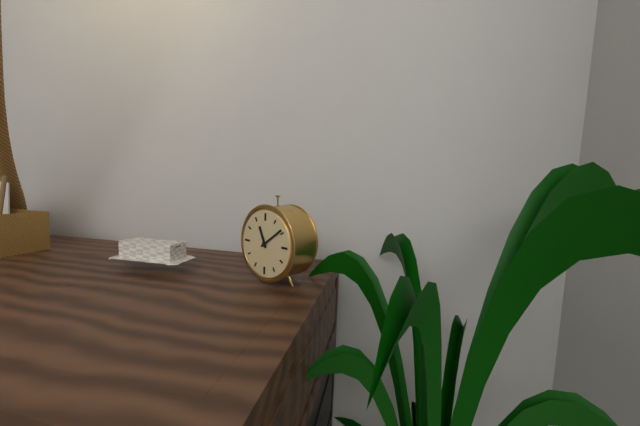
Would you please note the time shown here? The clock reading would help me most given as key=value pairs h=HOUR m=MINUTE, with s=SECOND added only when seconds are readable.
h=11 m=9
